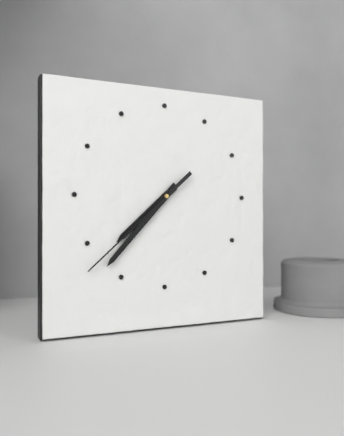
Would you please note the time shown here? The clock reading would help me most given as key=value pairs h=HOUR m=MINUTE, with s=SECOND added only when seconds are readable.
h=7 m=37 s=38
